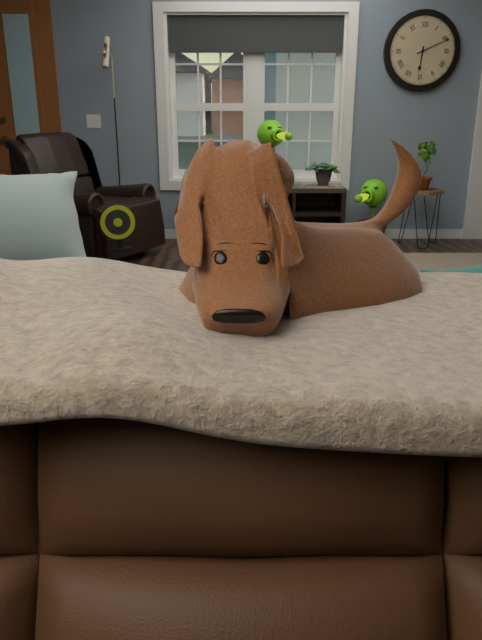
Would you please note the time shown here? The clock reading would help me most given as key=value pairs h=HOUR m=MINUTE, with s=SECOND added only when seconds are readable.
h=6 m=11
